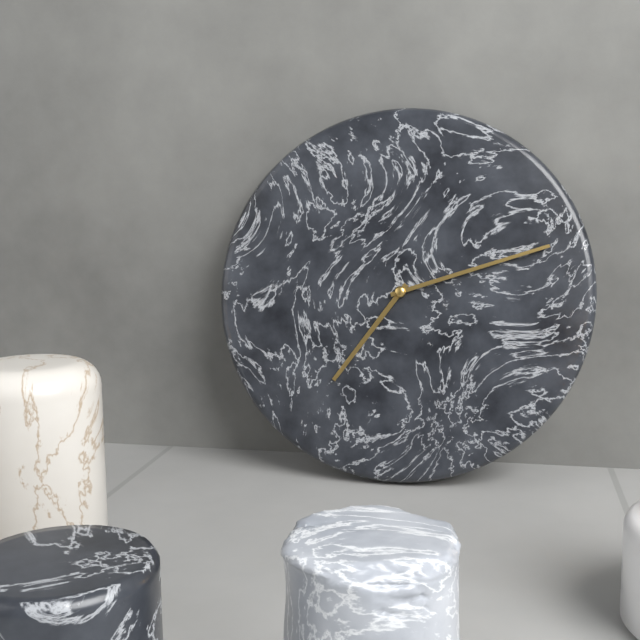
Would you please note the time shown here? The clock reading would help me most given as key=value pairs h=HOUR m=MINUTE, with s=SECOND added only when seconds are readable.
h=7 m=12
